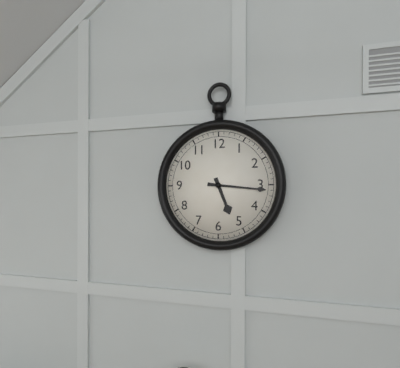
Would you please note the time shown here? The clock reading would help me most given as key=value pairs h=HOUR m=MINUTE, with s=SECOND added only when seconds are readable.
h=5 m=16
